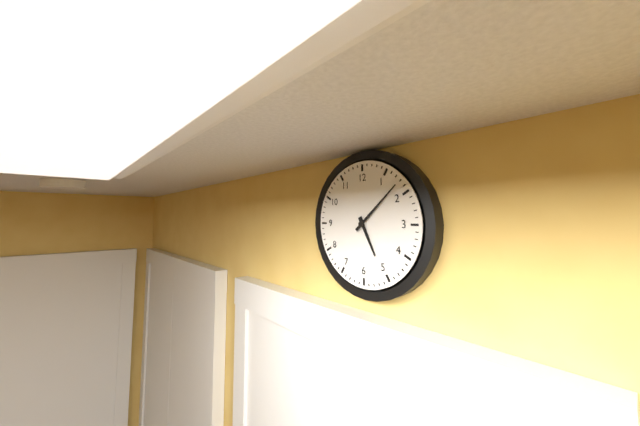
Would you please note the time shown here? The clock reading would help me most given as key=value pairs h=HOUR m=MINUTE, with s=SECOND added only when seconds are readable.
h=5 m=8
